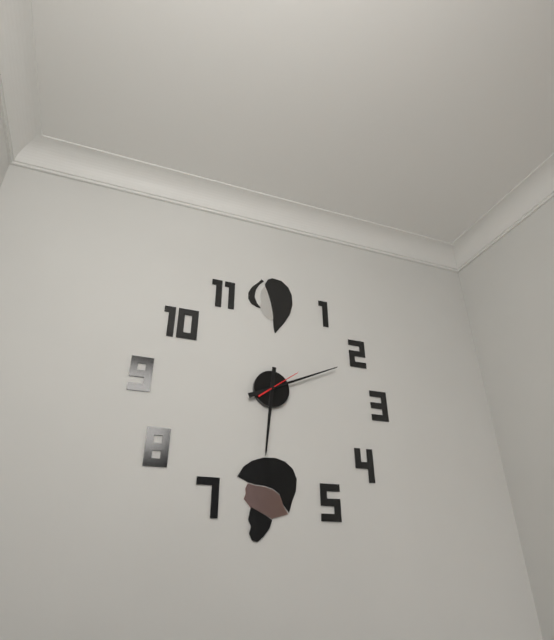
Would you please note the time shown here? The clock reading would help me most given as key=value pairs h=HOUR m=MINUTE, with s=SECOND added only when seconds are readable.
h=6 m=11
